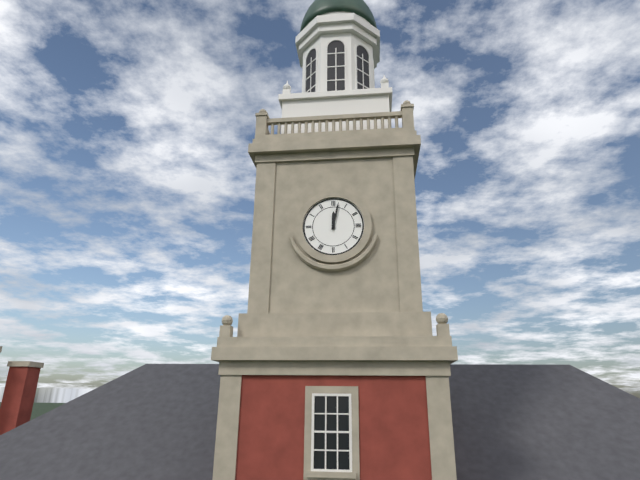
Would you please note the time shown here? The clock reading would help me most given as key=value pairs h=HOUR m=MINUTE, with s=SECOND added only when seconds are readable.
h=12 m=2
